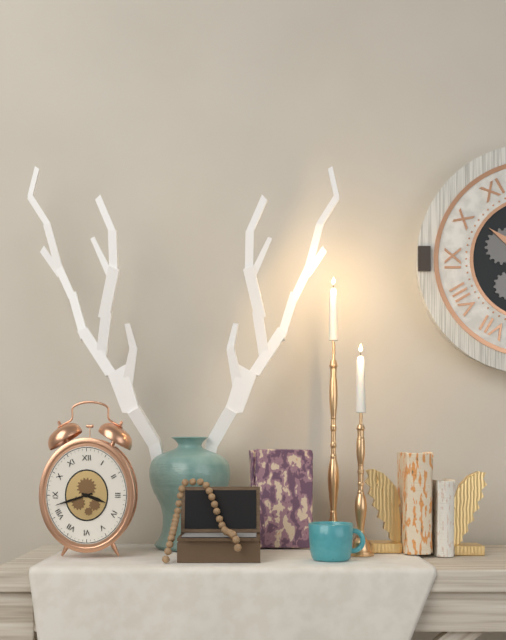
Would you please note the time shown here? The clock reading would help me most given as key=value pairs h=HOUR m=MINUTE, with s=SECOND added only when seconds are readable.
h=3 m=42
